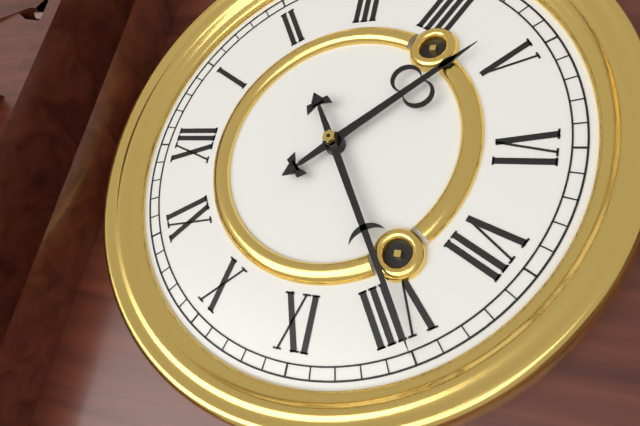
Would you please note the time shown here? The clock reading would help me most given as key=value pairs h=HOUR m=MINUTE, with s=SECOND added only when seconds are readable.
h=4 m=40
